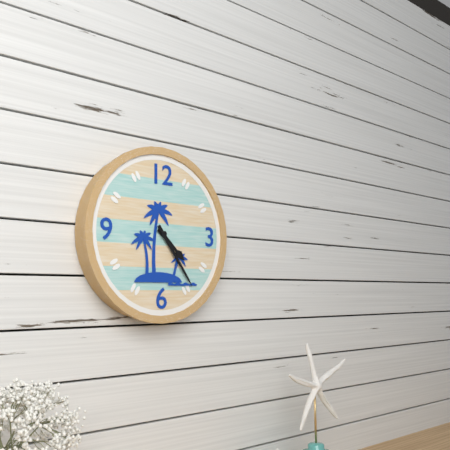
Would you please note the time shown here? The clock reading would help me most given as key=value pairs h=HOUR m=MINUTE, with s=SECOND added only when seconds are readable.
h=4 m=24
